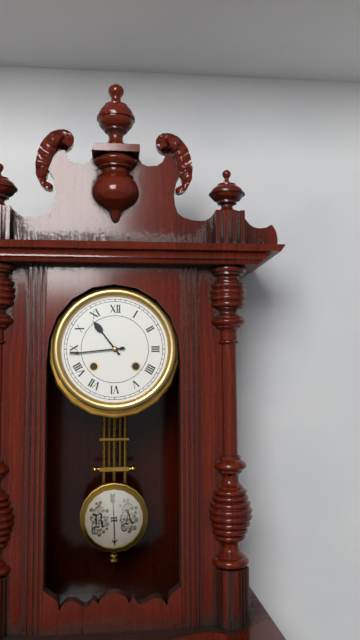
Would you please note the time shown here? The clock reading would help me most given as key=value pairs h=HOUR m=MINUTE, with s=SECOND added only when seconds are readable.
h=10 m=44
